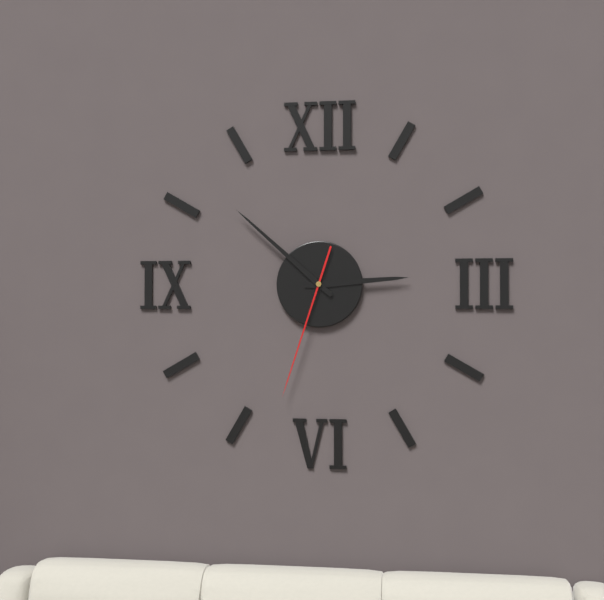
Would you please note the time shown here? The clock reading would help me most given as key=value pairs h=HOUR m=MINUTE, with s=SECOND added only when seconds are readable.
h=2 m=52 s=33
